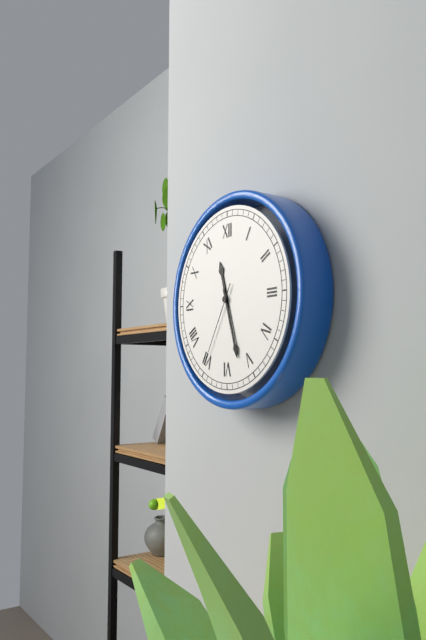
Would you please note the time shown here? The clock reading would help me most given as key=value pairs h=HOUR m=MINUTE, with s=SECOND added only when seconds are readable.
h=11 m=27 s=35
